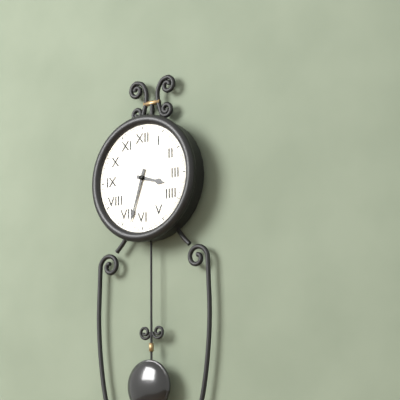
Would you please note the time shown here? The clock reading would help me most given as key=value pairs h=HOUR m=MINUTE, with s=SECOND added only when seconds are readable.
h=3 m=33
